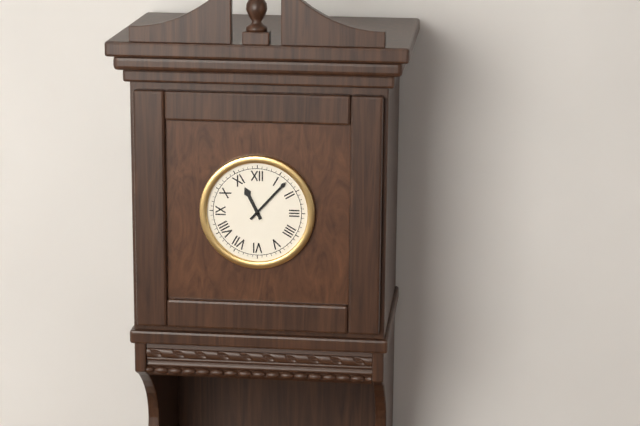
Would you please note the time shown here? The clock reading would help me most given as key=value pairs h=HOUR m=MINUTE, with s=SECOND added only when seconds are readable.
h=11 m=7
